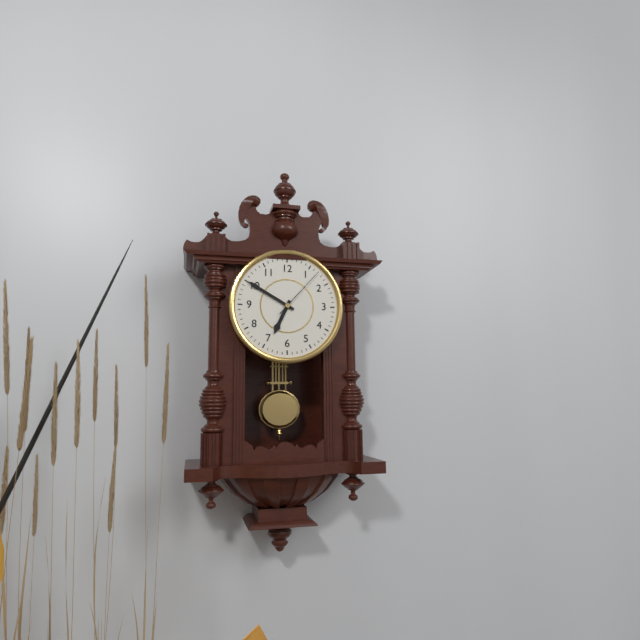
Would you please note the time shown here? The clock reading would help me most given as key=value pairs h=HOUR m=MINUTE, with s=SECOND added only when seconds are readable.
h=6 m=50 s=7
